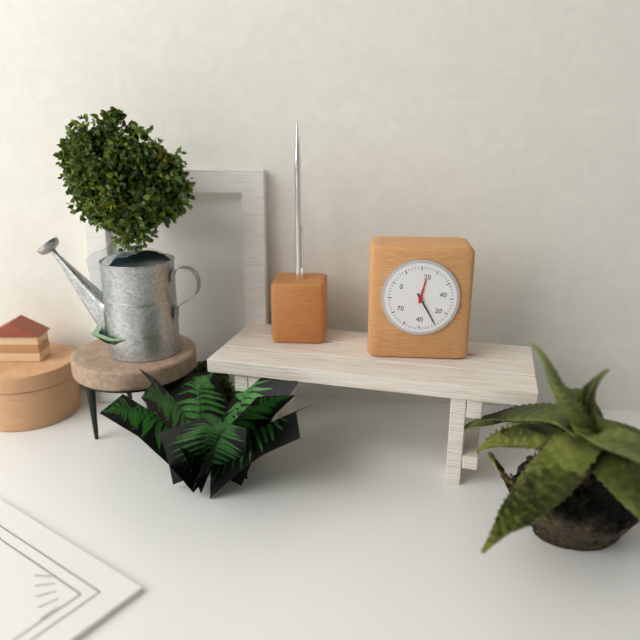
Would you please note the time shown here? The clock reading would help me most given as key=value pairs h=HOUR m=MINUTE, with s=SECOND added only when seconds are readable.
h=12 m=25
